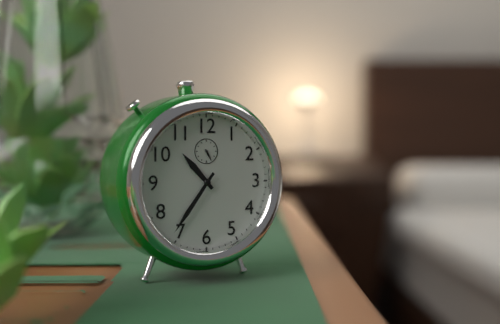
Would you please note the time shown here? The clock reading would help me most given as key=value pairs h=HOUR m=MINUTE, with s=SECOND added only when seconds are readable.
h=10 m=36
